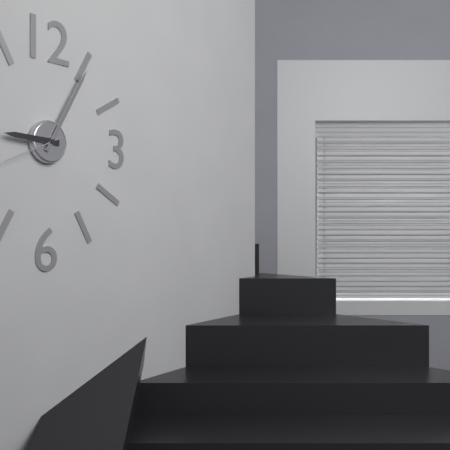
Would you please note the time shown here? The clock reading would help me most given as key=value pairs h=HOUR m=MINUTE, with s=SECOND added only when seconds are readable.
h=9 m=5 s=41
